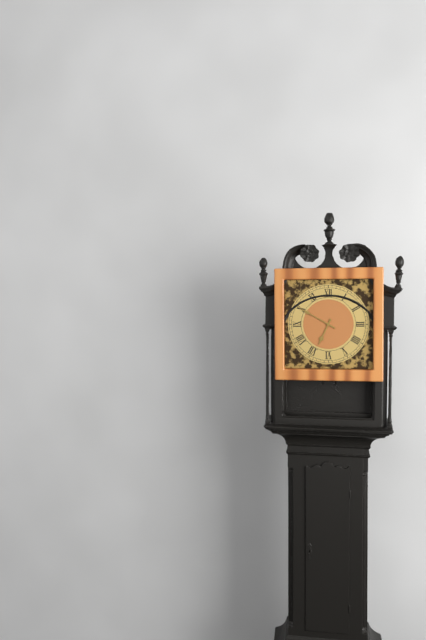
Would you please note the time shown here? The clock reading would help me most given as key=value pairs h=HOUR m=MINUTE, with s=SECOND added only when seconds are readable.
h=6 m=50
